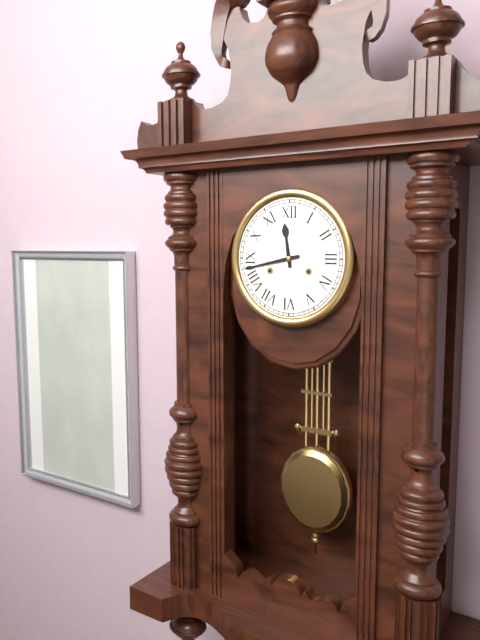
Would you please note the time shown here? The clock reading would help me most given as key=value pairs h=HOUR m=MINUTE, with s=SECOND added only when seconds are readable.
h=11 m=43
